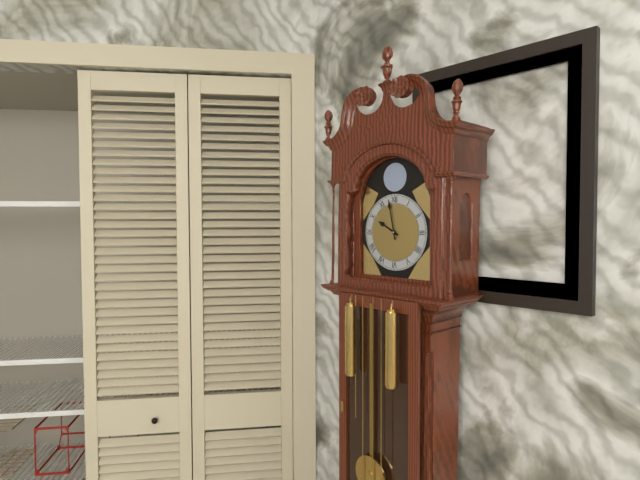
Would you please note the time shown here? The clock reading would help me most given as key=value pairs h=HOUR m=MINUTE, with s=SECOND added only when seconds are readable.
h=9 m=58
